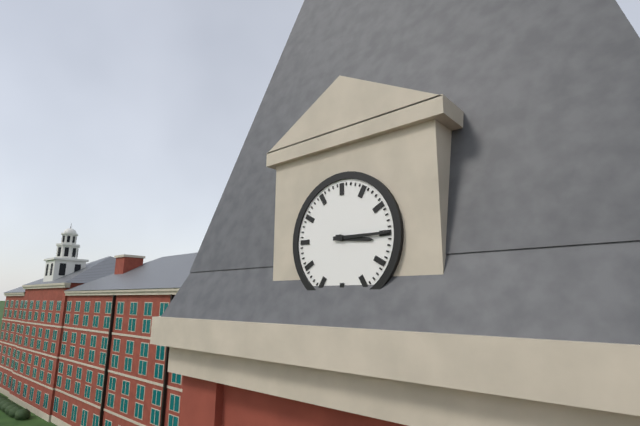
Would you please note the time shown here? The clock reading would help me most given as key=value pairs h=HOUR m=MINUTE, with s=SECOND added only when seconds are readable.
h=3 m=15
